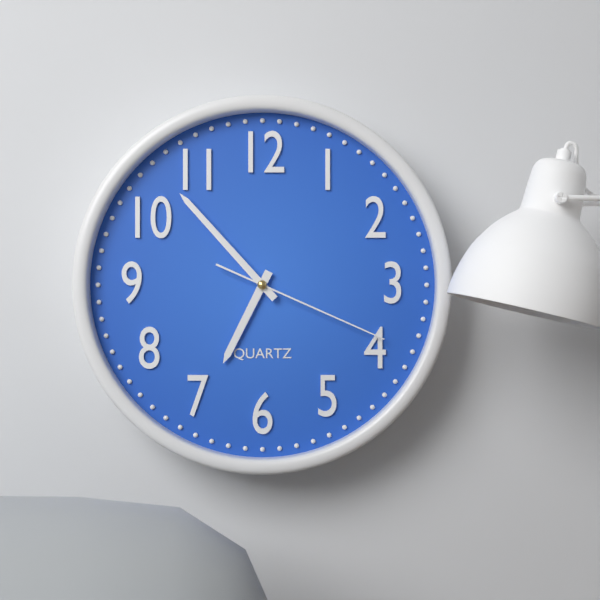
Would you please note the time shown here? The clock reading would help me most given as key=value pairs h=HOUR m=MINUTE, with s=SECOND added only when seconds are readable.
h=6 m=53 s=19
